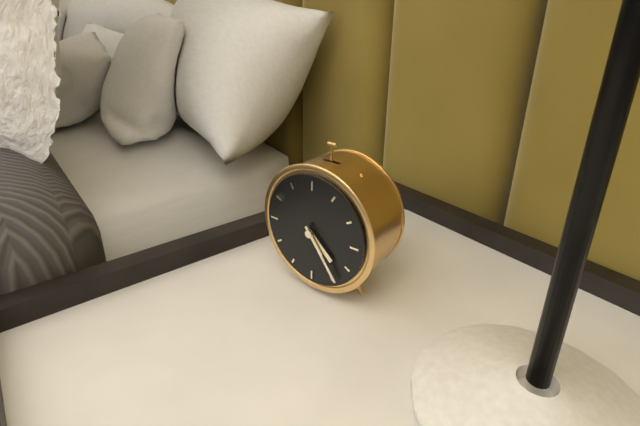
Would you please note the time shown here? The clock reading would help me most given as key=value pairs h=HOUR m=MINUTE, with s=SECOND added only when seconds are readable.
h=4 m=24
